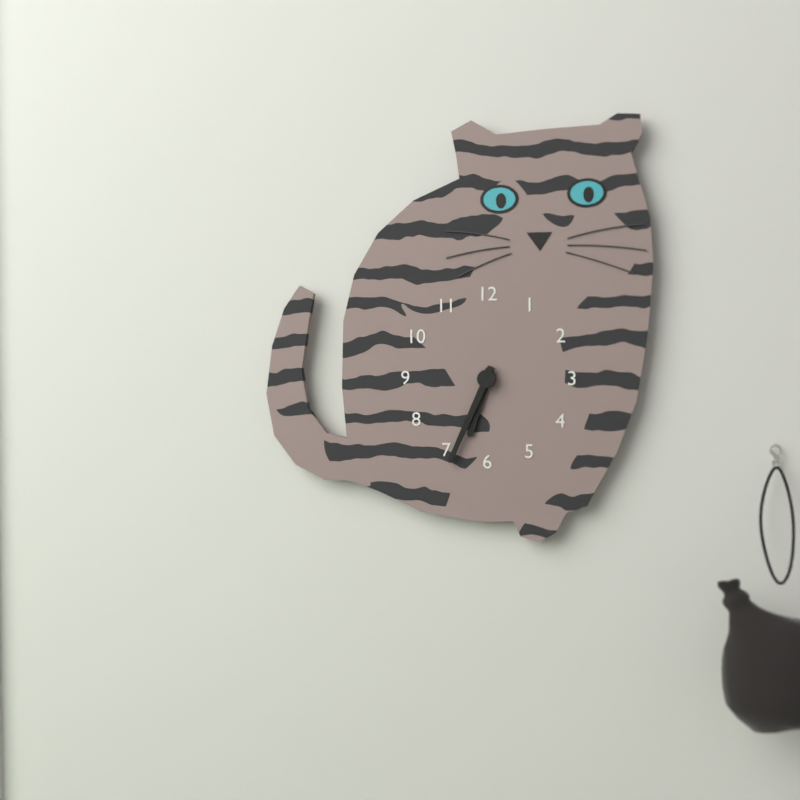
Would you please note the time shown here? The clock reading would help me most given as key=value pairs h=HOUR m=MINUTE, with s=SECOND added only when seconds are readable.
h=6 m=34
